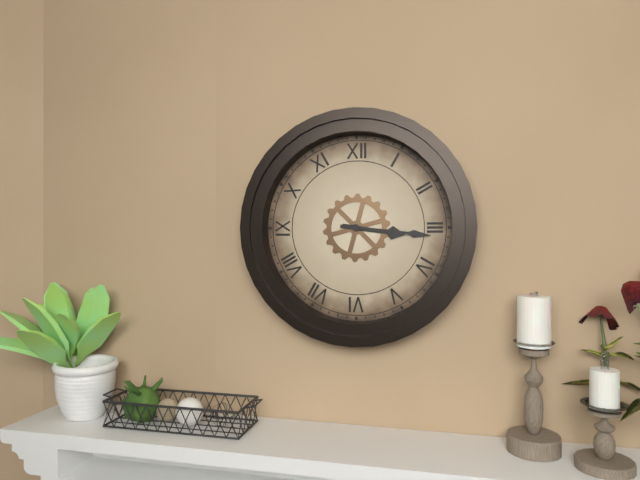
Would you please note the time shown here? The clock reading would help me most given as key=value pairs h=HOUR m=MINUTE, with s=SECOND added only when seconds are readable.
h=3 m=16
